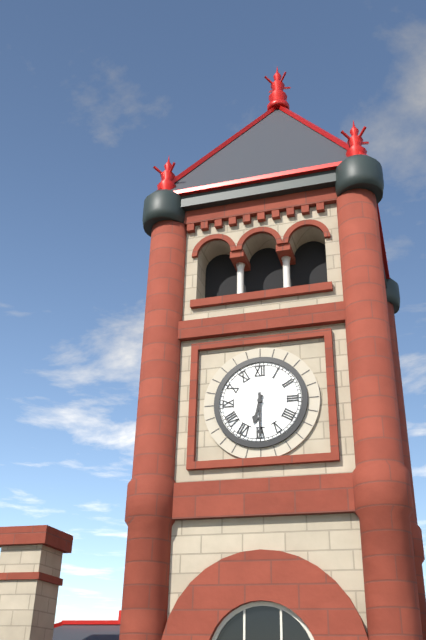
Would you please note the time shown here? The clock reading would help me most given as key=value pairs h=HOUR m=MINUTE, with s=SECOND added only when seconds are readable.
h=6 m=30
